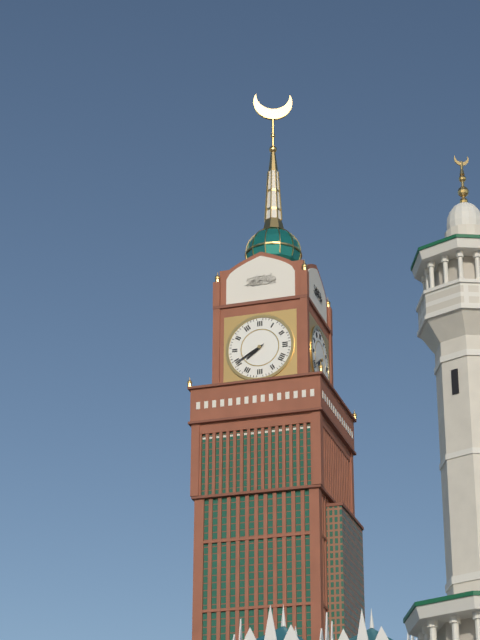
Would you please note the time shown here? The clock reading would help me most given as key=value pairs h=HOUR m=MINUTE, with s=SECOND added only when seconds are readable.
h=7 m=40
